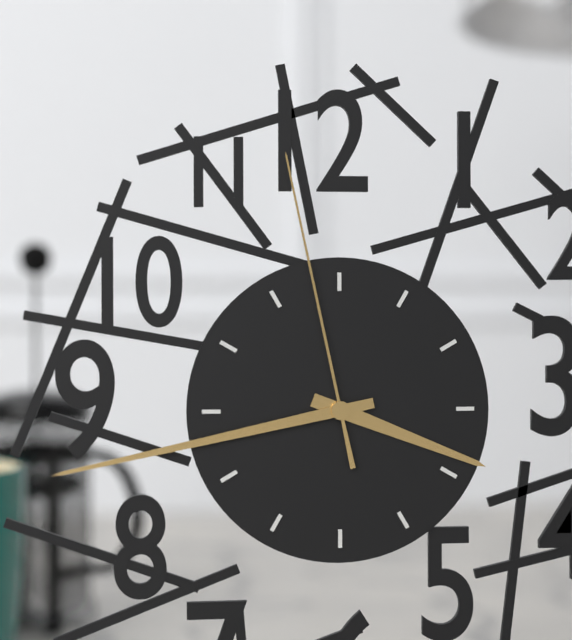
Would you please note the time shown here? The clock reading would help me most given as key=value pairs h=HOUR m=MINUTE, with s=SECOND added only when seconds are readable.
h=3 m=43 s=58
